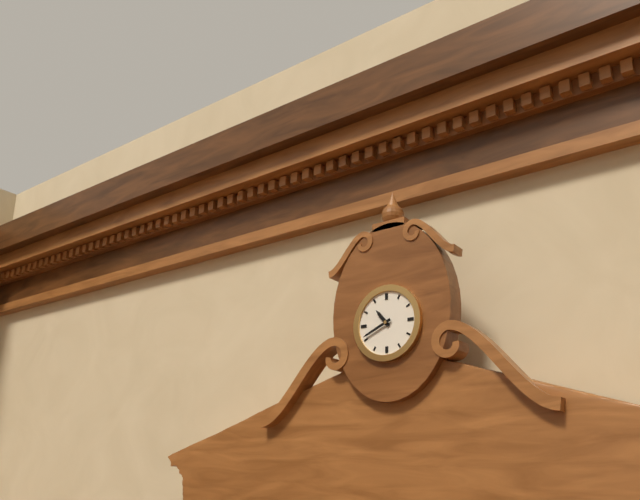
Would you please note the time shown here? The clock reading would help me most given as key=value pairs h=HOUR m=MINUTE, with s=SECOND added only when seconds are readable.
h=10 m=41
